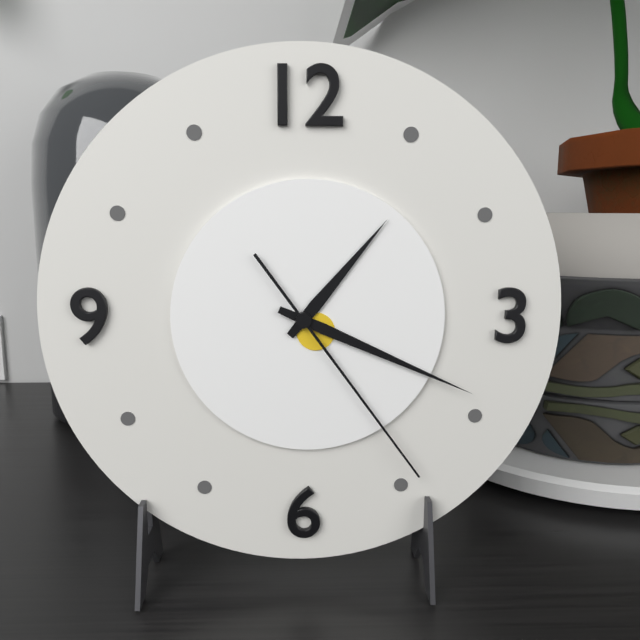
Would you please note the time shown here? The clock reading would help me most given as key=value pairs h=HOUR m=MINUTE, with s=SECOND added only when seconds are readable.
h=1 m=19 s=24
